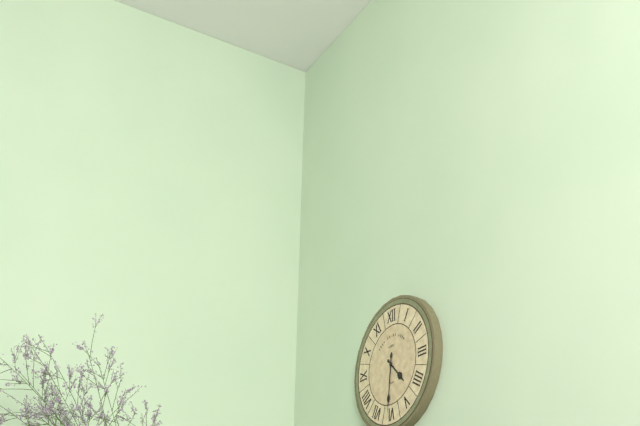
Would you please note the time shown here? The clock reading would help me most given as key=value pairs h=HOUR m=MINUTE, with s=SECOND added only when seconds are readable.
h=4 m=31
